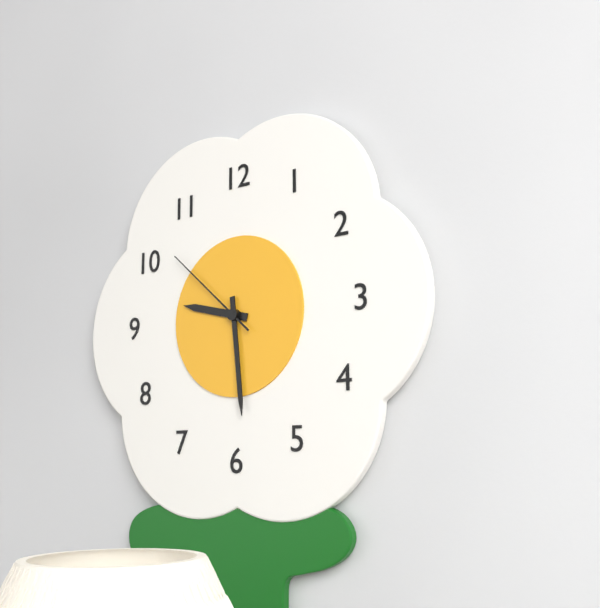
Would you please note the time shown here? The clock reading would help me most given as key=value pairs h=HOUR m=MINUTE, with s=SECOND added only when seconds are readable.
h=9 m=29 s=52
